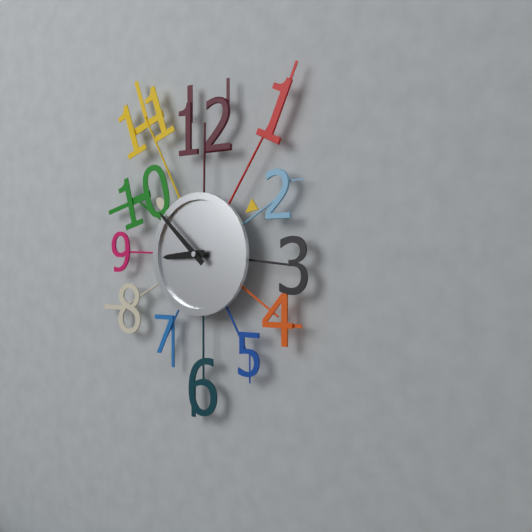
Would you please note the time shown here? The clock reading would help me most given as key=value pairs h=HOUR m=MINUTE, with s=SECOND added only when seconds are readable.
h=8 m=52
